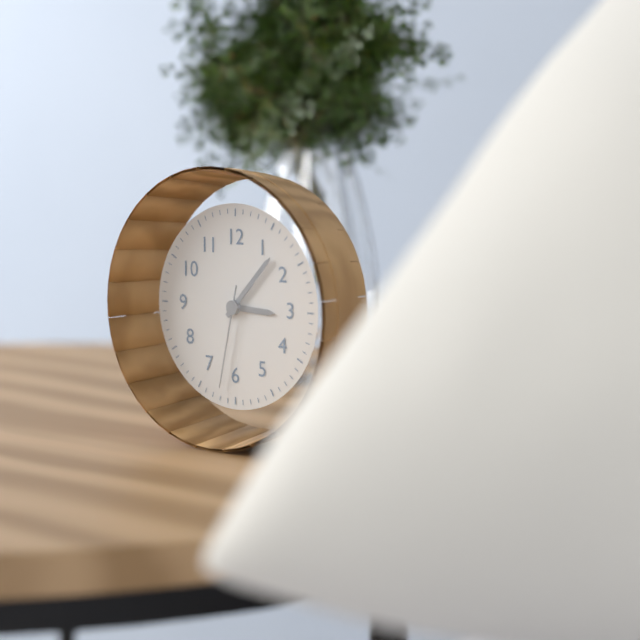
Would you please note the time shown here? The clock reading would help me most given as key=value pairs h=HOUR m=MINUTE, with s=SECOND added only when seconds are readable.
h=3 m=7 s=32
